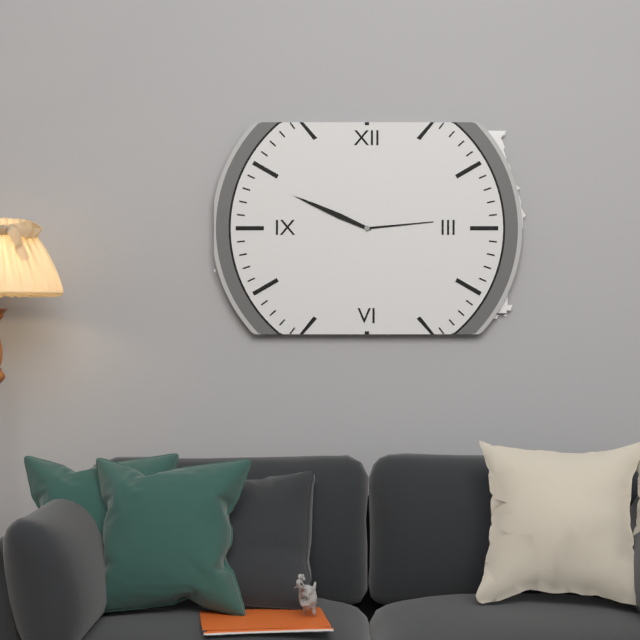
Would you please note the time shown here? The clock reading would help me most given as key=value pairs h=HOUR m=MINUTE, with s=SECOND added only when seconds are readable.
h=2 m=49
